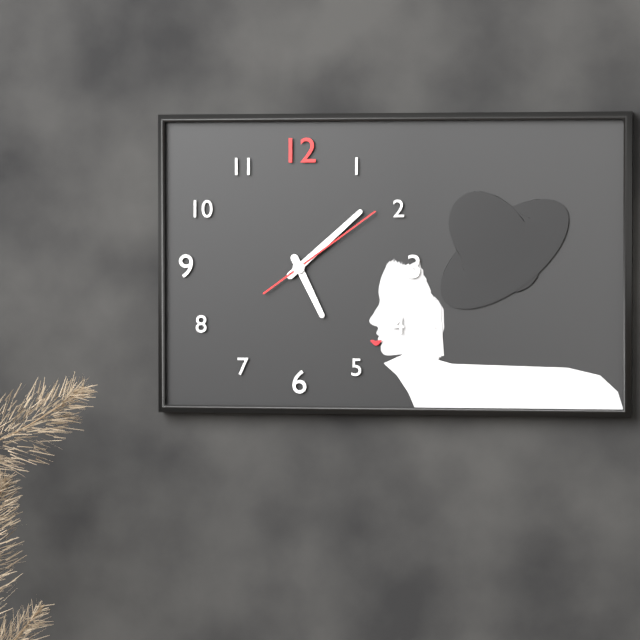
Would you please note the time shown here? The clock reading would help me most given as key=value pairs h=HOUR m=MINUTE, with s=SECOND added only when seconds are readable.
h=5 m=8 s=9
